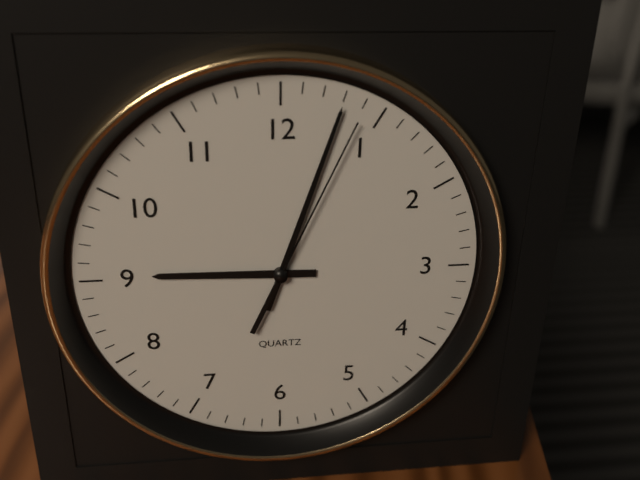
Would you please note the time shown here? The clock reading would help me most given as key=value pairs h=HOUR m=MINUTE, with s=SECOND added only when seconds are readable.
h=9 m=3 s=4
